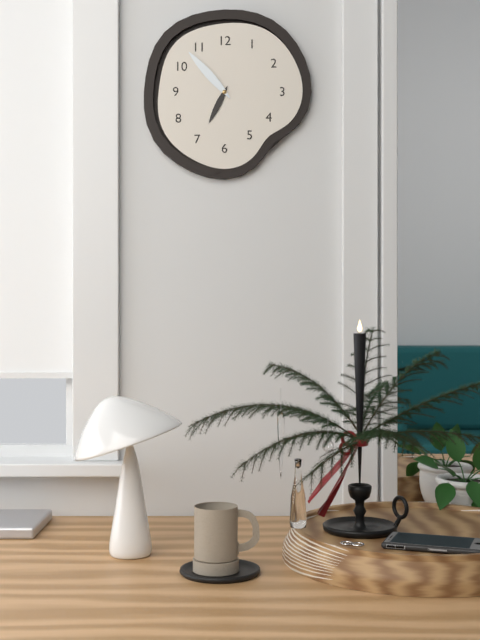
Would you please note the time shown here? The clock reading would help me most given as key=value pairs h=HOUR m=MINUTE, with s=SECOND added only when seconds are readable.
h=6 m=53
